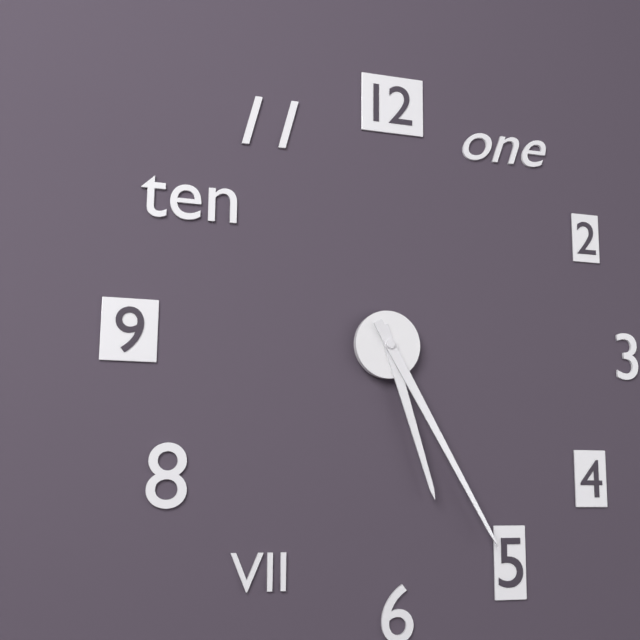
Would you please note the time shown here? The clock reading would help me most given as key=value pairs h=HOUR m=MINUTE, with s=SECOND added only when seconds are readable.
h=5 m=25
